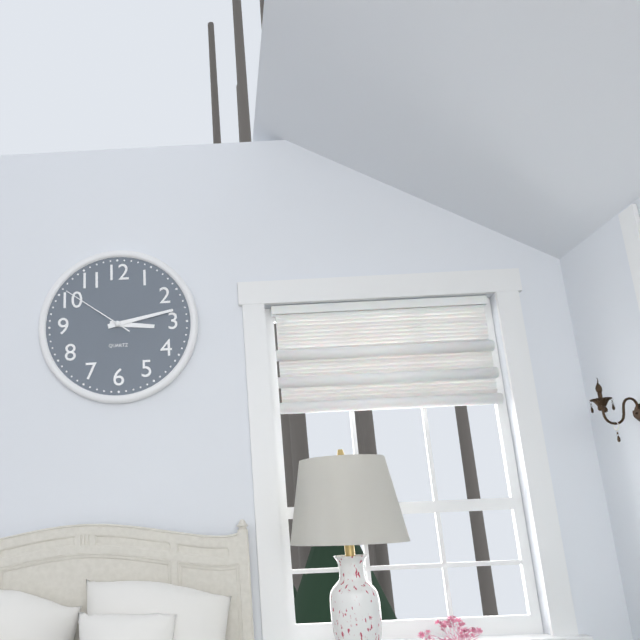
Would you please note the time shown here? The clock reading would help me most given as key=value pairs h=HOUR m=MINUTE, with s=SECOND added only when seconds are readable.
h=3 m=13 s=51
